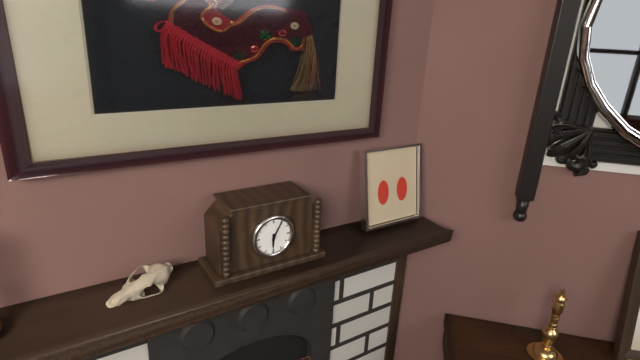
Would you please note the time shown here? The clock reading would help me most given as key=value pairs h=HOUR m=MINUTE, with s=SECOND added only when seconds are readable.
h=6 m=5
